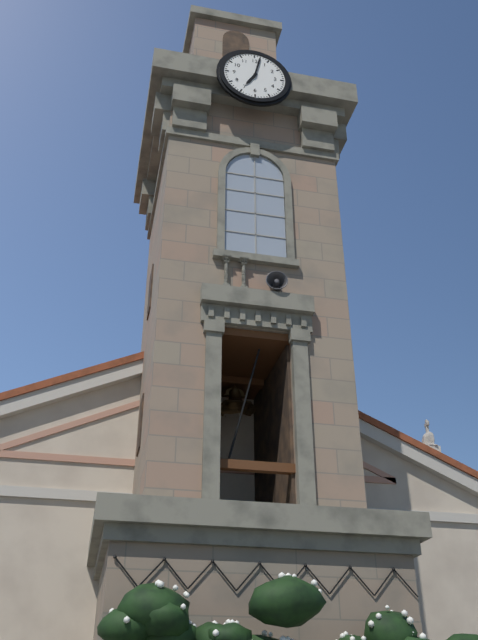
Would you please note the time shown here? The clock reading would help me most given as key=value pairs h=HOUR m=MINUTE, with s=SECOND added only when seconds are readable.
h=7 m=2
